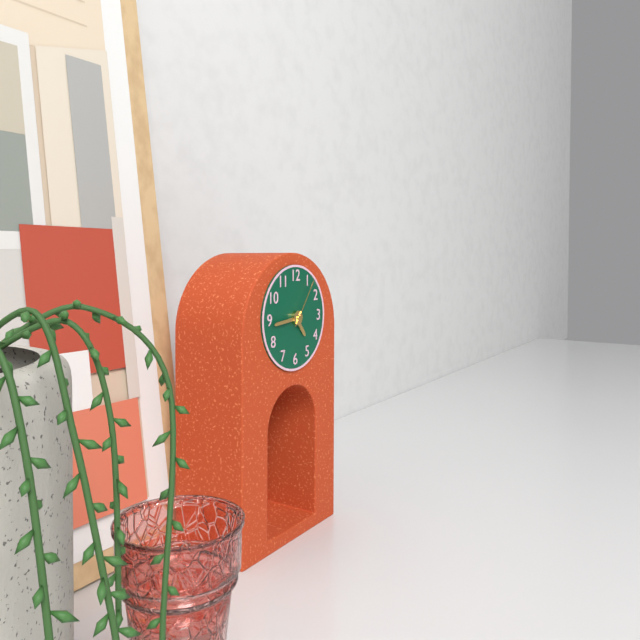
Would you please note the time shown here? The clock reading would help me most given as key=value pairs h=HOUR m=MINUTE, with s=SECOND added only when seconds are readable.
h=4 m=44 s=6
